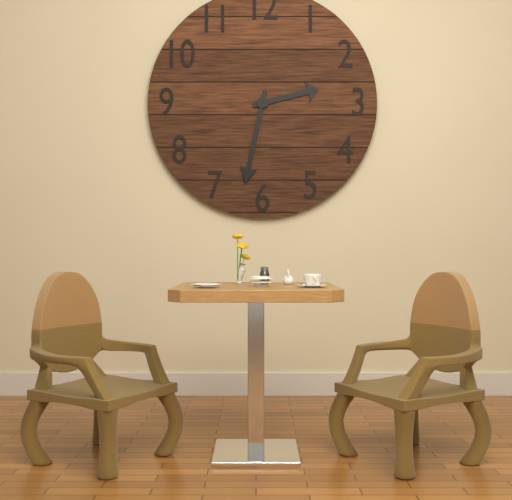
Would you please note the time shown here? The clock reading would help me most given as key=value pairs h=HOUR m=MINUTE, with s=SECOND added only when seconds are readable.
h=2 m=32
